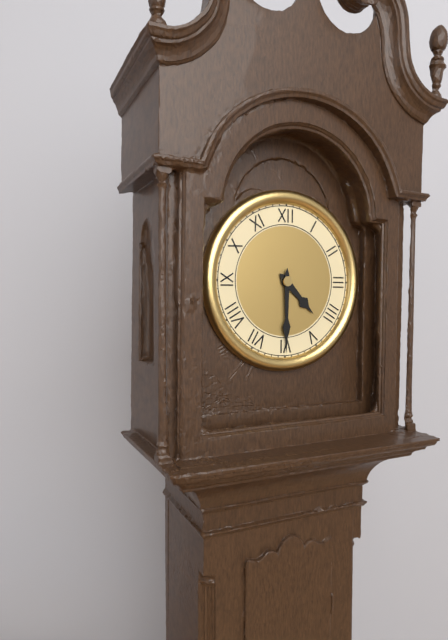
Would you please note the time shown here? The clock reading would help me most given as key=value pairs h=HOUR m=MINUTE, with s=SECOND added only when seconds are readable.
h=4 m=30
